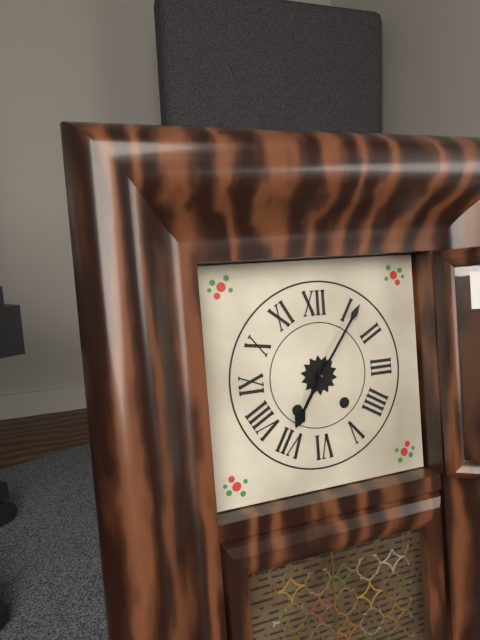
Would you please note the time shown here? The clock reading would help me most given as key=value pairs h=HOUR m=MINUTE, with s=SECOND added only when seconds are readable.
h=7 m=6
